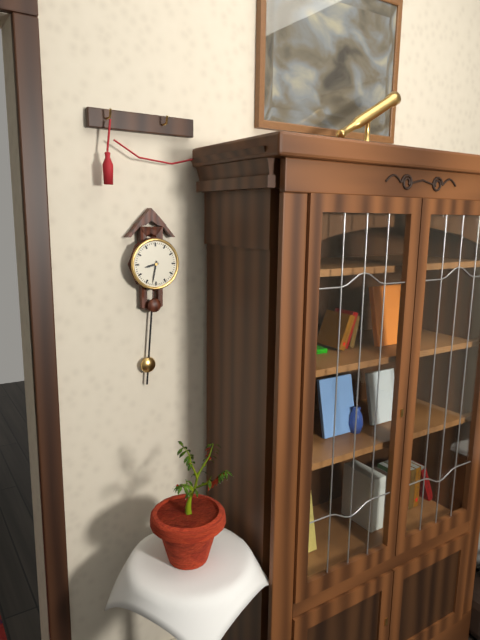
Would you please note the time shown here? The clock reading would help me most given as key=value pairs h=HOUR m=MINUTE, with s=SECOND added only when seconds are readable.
h=8 m=32
